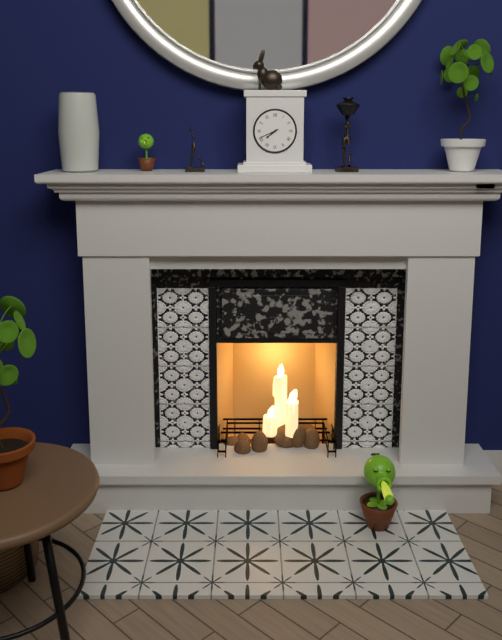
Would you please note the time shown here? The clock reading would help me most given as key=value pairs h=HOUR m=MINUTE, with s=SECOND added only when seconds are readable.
h=7 m=41
